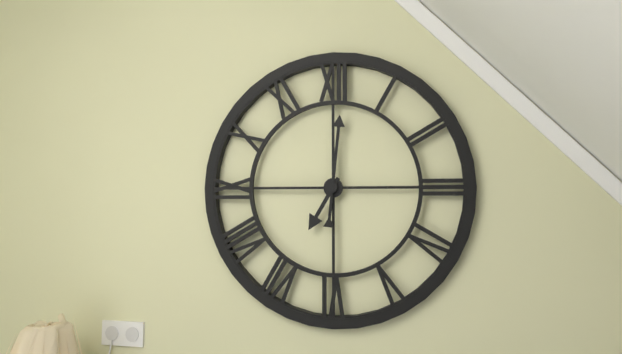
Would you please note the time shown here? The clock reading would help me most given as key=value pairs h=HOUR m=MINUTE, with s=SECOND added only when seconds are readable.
h=7 m=1
